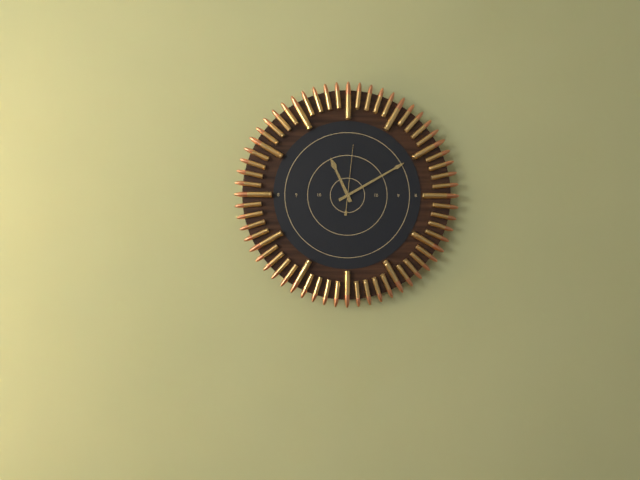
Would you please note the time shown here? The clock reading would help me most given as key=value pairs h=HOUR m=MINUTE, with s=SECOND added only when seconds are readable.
h=11 m=10 s=1
